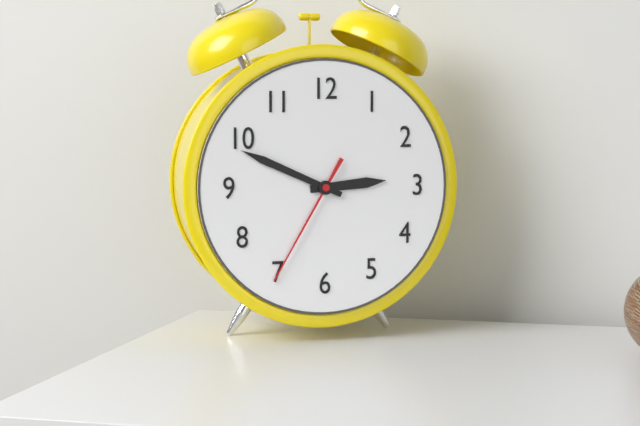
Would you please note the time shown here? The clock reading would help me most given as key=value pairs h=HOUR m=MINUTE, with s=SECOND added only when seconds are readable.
h=2 m=49 s=35
